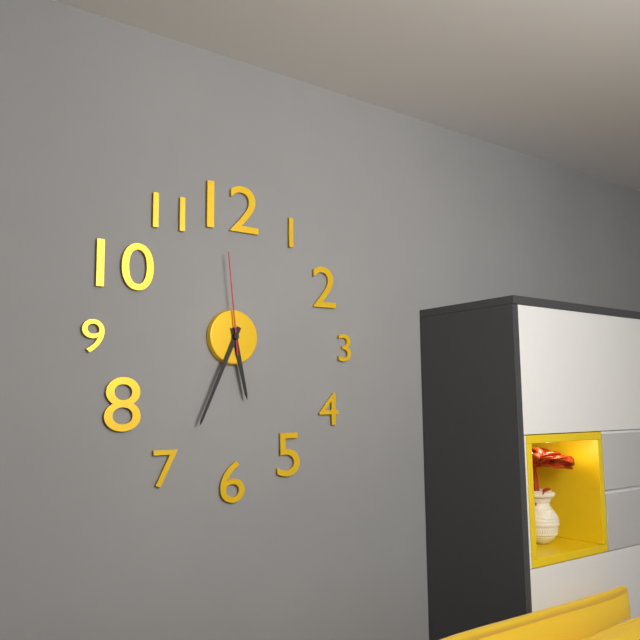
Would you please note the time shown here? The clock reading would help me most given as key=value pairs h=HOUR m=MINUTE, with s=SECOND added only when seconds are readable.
h=5 m=34 s=59
